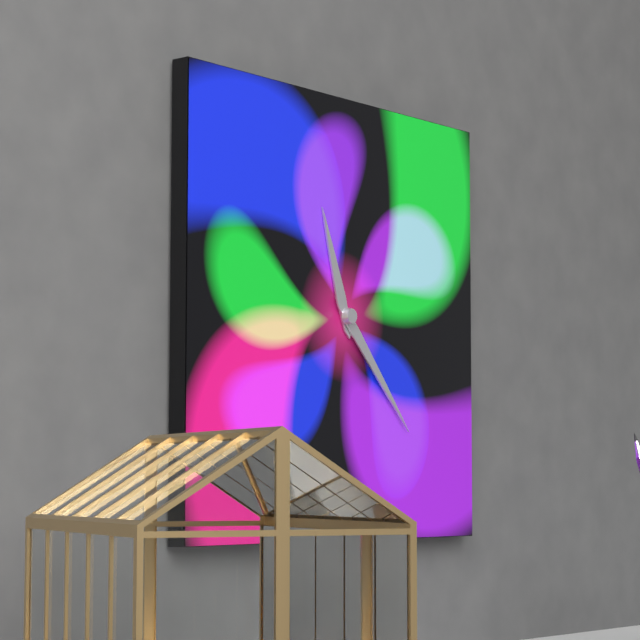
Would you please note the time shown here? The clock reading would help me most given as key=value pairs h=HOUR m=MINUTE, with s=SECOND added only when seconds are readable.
h=11 m=23
